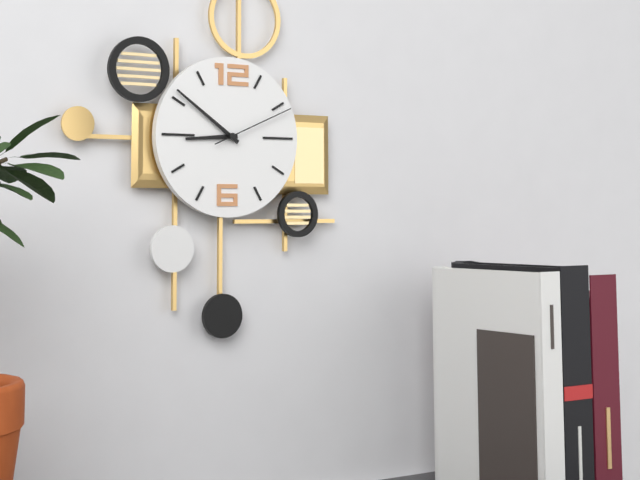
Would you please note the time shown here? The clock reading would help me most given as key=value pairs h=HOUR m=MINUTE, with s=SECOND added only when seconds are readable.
h=8 m=51 s=11
